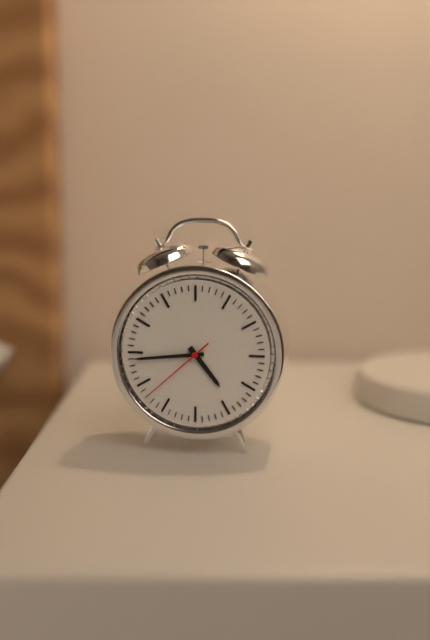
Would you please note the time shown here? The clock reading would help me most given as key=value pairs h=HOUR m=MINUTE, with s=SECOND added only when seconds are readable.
h=4 m=44 s=38
